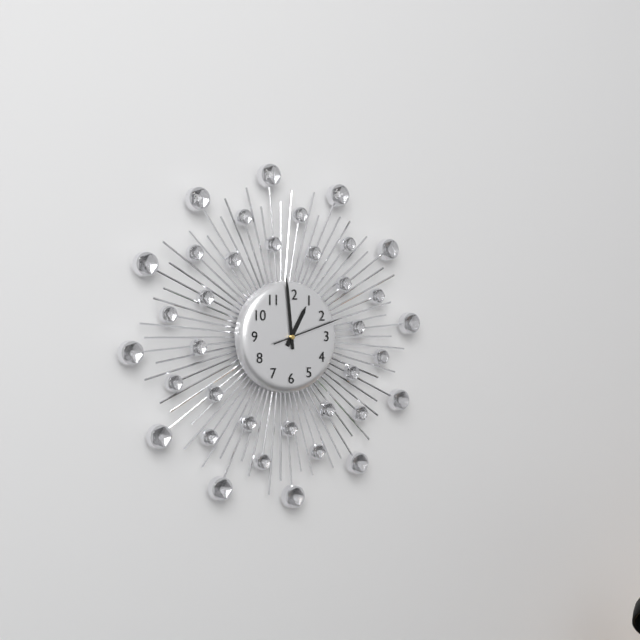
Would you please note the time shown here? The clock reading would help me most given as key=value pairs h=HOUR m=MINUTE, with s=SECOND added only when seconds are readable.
h=12 m=59 s=12
